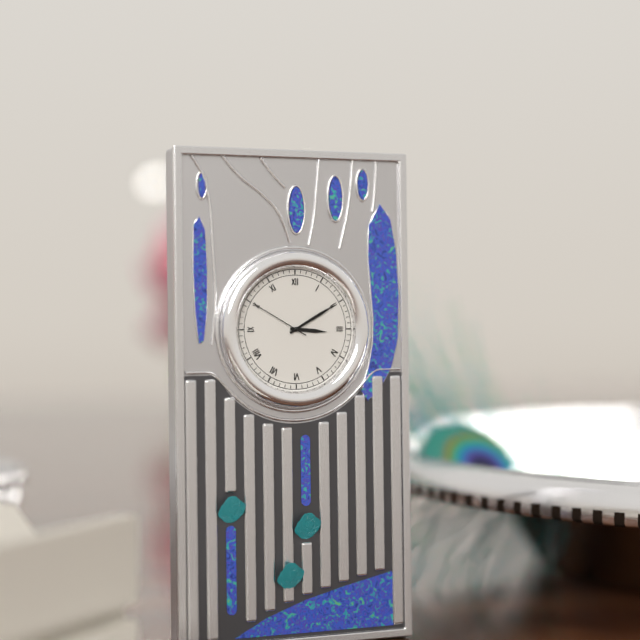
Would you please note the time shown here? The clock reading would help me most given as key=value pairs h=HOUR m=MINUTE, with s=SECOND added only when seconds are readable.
h=3 m=10 s=50
